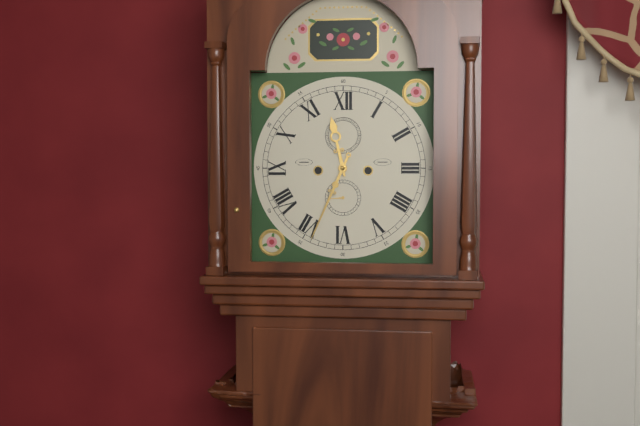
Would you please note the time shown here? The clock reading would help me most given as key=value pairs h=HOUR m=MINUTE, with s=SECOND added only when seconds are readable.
h=11 m=34
